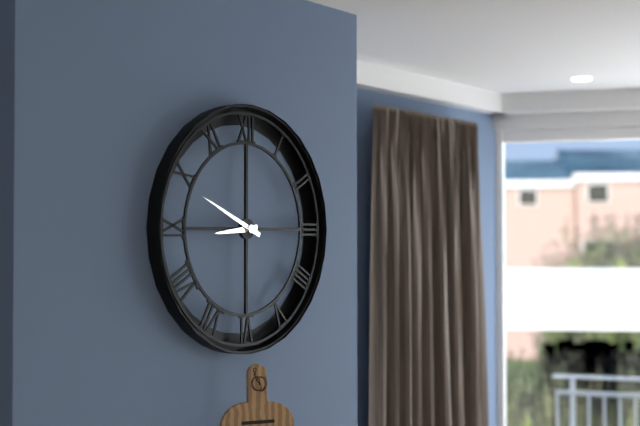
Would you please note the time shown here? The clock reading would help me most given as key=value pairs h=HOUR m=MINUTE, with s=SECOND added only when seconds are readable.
h=8 m=49
